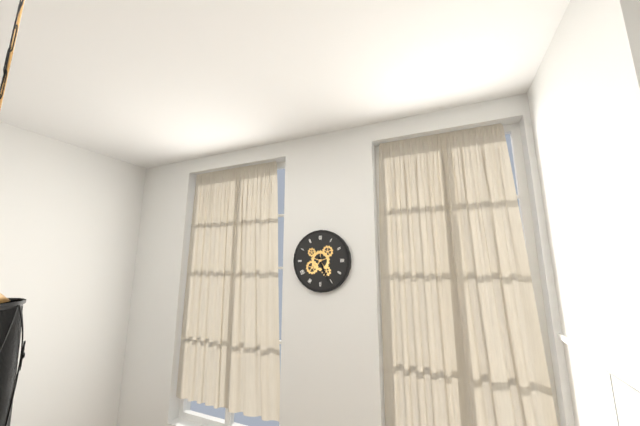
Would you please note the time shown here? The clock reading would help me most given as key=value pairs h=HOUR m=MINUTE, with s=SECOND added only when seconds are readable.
h=5 m=26
